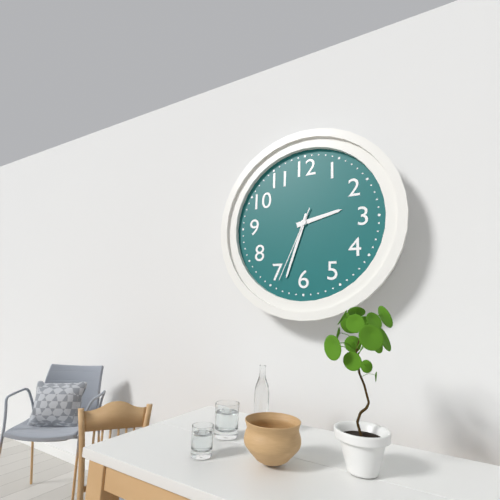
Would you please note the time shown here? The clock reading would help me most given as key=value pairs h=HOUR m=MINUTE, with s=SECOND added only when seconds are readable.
h=2 m=33 s=34
